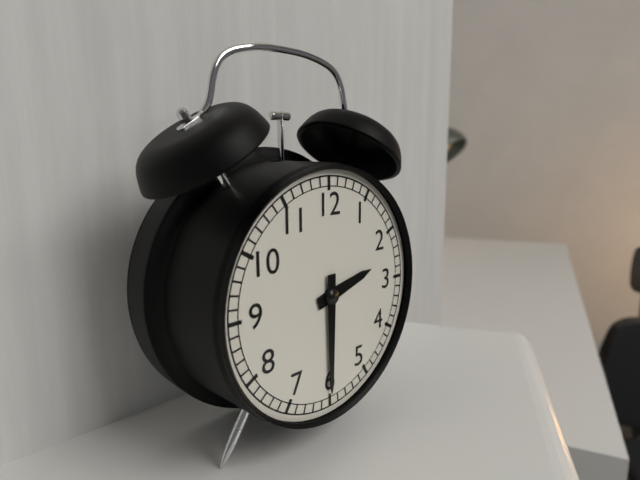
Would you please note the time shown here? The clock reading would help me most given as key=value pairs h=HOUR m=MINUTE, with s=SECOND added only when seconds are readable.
h=2 m=30
